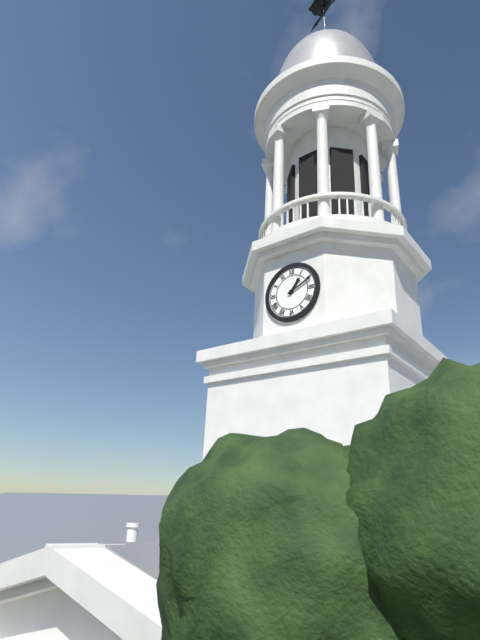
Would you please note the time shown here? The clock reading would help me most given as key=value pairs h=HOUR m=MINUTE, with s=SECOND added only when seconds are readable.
h=1 m=11
